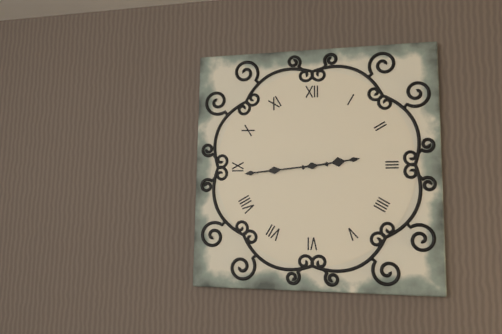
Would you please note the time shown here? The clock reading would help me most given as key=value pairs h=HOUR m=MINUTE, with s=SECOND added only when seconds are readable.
h=2 m=44
